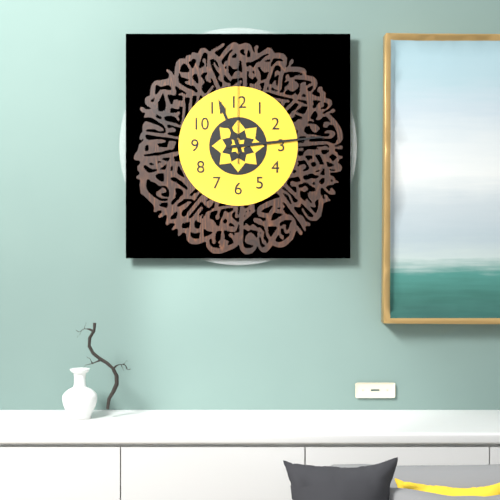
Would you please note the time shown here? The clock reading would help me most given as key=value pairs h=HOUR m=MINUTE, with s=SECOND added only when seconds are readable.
h=11 m=14 s=0
